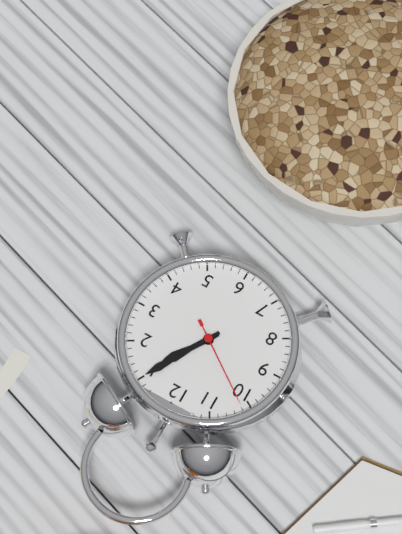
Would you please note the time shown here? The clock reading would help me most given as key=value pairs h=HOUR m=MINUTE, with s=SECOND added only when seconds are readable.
h=1 m=5 s=51
